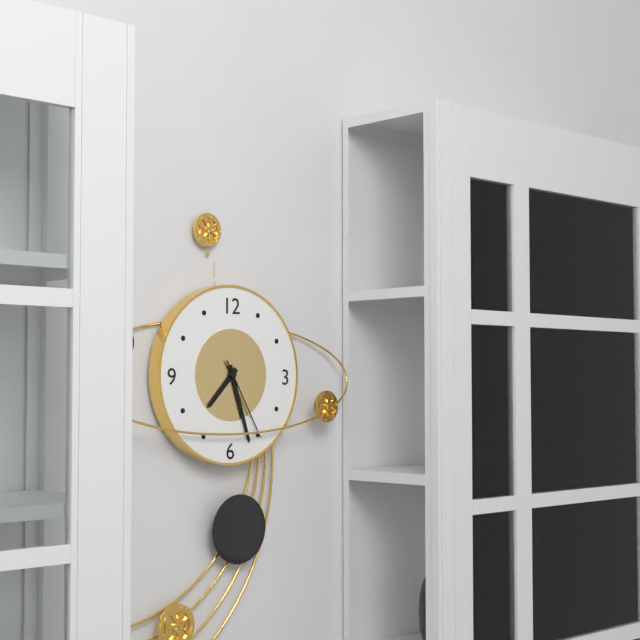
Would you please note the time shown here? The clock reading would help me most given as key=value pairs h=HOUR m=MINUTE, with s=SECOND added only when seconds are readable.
h=7 m=27 s=25
